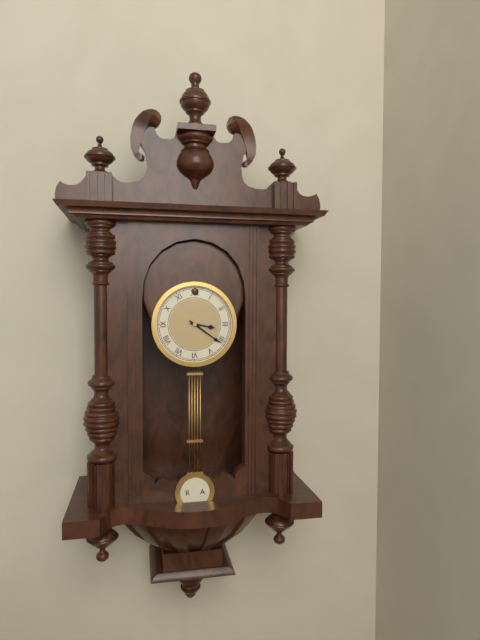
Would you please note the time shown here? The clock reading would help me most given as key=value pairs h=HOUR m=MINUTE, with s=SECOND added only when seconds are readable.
h=3 m=21
